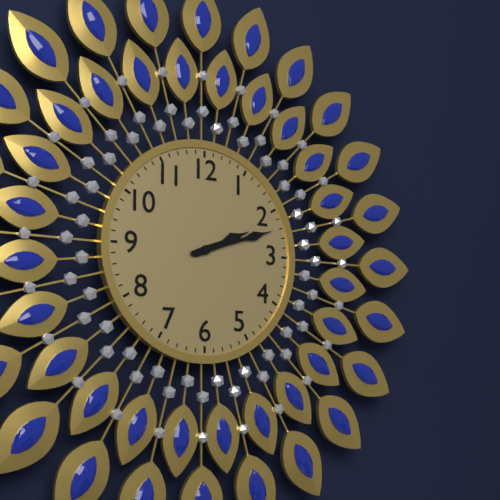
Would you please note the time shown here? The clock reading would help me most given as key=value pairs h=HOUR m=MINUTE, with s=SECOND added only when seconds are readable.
h=2 m=12
